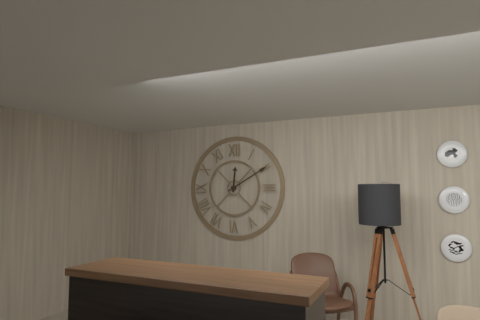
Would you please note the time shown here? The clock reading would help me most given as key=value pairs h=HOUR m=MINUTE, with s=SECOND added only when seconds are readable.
h=12 m=10
